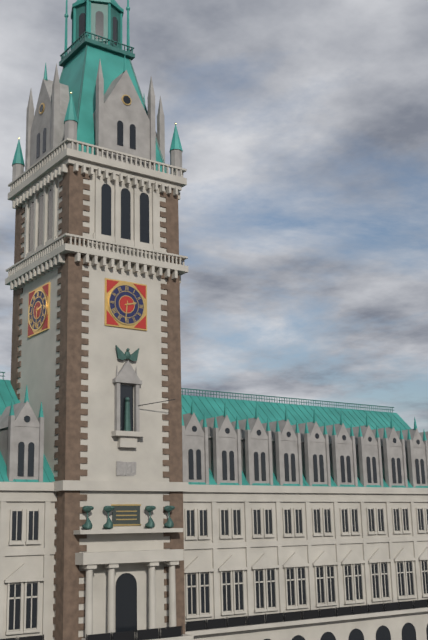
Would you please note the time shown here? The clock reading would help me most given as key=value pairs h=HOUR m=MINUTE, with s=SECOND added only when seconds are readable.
h=2 m=31
